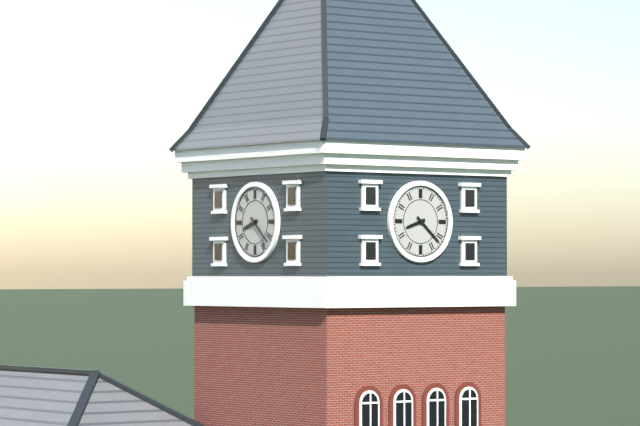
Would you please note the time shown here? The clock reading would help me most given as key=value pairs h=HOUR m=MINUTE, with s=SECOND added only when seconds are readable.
h=8 m=22
